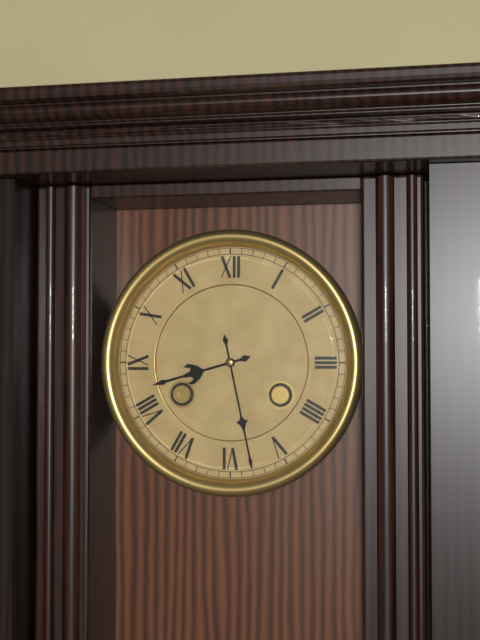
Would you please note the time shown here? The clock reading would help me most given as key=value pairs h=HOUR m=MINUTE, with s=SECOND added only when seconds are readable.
h=8 m=28
